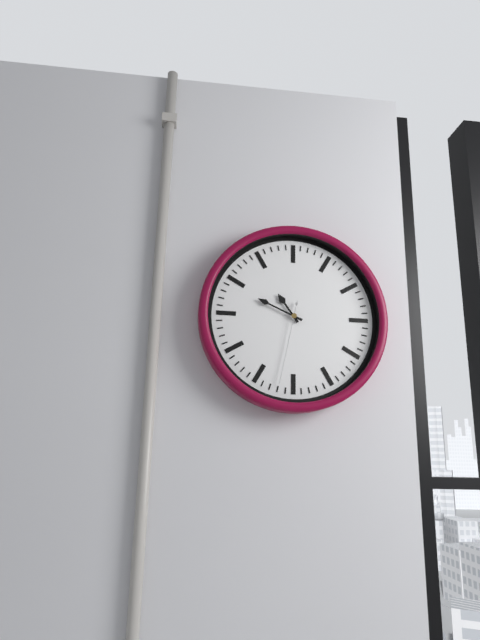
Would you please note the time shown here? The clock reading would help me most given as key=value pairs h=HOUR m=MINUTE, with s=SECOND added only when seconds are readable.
h=10 m=49 s=32
